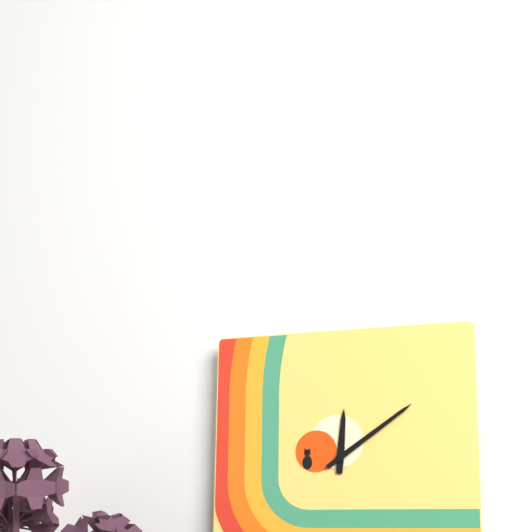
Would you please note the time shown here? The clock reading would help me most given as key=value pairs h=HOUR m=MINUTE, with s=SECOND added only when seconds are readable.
h=12 m=9
